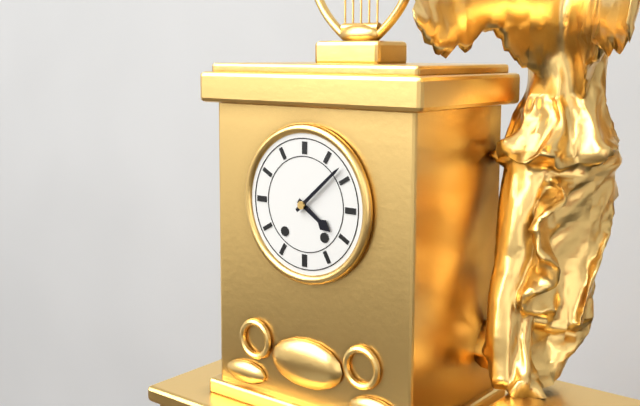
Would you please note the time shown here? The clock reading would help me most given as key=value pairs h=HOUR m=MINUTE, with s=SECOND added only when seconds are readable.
h=4 m=8
